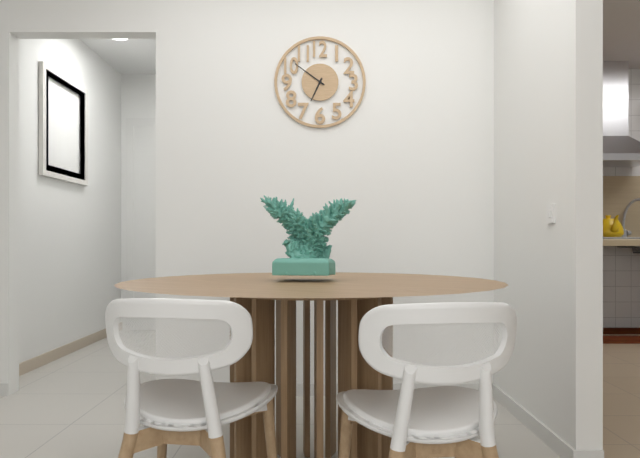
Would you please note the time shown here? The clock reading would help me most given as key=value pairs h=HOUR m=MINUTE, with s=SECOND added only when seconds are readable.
h=6 m=51
